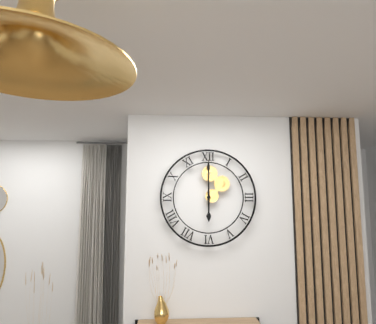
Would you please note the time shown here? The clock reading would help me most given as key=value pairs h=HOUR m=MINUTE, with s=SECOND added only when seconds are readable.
h=6 m=0
